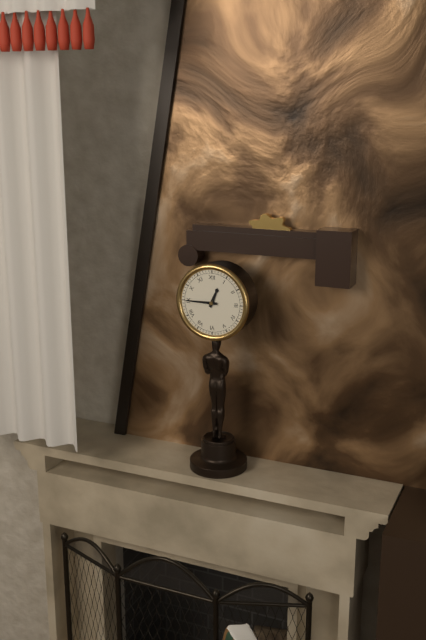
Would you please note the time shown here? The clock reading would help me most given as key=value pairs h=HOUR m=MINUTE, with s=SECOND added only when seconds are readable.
h=12 m=45
